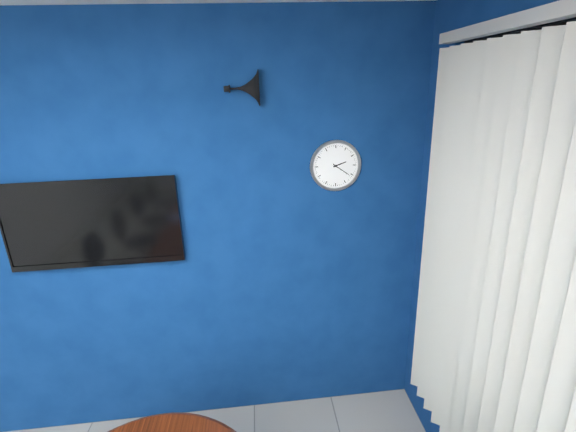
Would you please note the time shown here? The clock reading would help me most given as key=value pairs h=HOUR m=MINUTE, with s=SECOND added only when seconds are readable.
h=2 m=21
